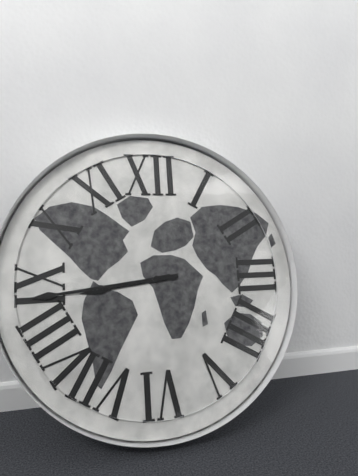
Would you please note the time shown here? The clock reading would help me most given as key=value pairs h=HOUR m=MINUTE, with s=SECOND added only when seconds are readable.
h=8 m=44
